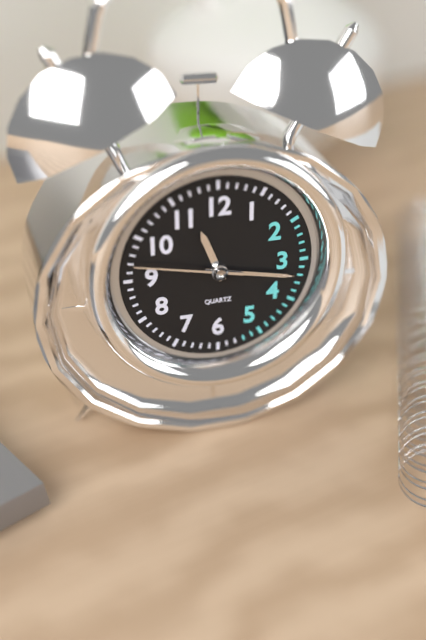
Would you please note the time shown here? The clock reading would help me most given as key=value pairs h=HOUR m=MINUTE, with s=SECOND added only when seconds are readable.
h=11 m=17 s=47
